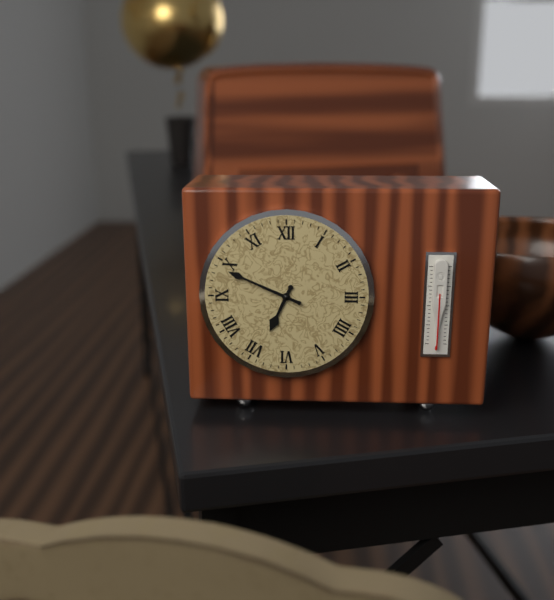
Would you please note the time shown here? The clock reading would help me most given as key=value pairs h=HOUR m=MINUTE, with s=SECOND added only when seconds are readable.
h=6 m=49
